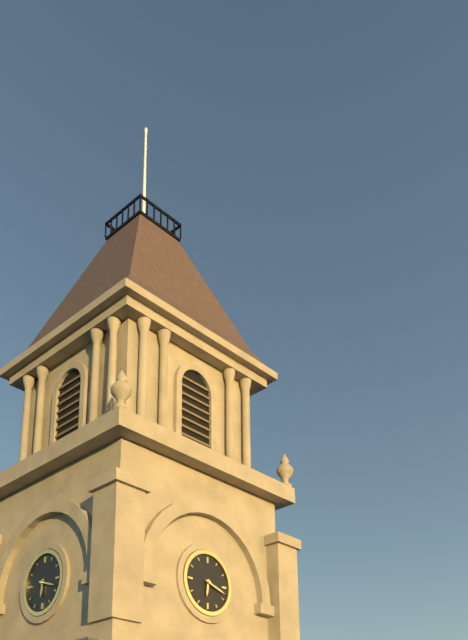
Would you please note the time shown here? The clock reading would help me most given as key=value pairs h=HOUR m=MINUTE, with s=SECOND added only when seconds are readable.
h=6 m=18
